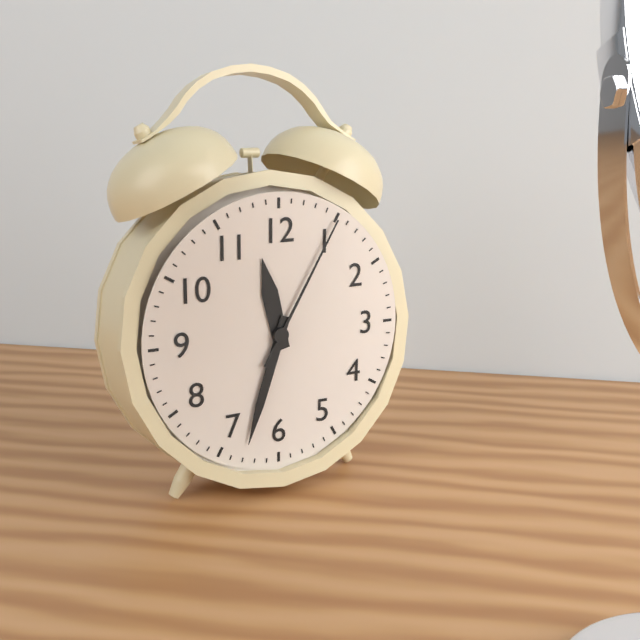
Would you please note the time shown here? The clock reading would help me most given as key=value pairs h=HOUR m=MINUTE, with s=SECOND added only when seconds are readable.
h=11 m=33 s=5
